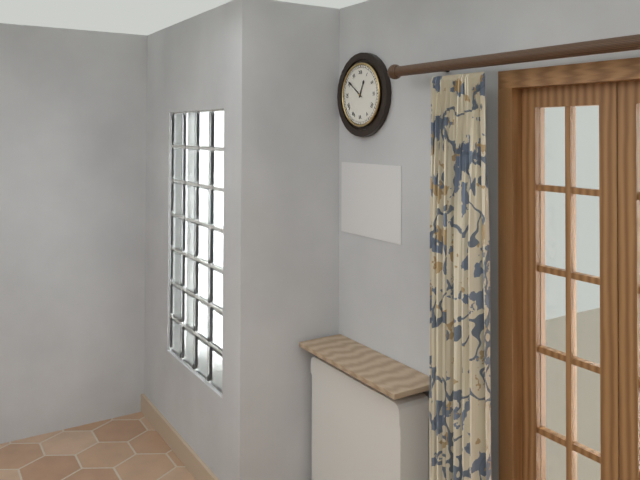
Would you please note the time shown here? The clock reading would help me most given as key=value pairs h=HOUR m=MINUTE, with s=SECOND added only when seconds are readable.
h=12 m=51
